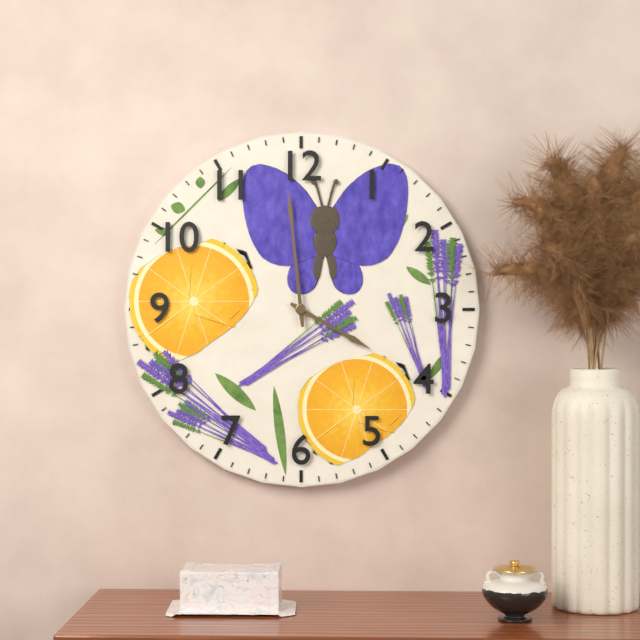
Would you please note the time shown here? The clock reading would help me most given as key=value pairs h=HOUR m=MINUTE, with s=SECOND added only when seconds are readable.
h=3 m=59
